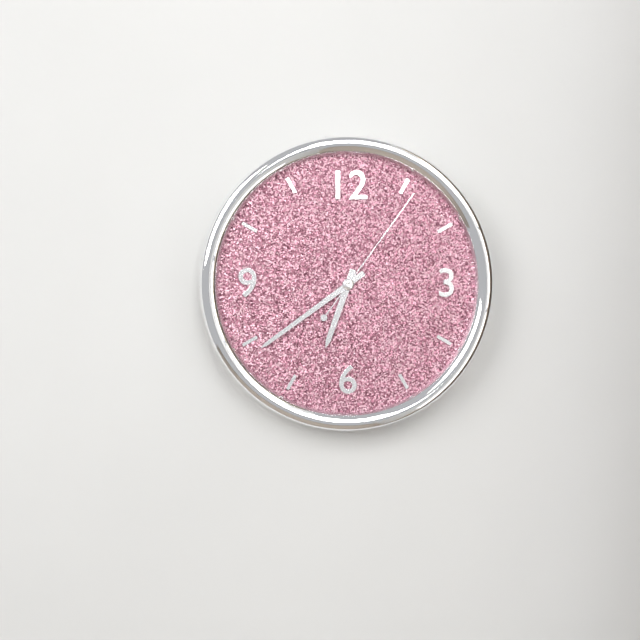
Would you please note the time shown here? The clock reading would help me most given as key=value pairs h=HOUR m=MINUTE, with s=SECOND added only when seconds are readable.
h=6 m=39 s=6
